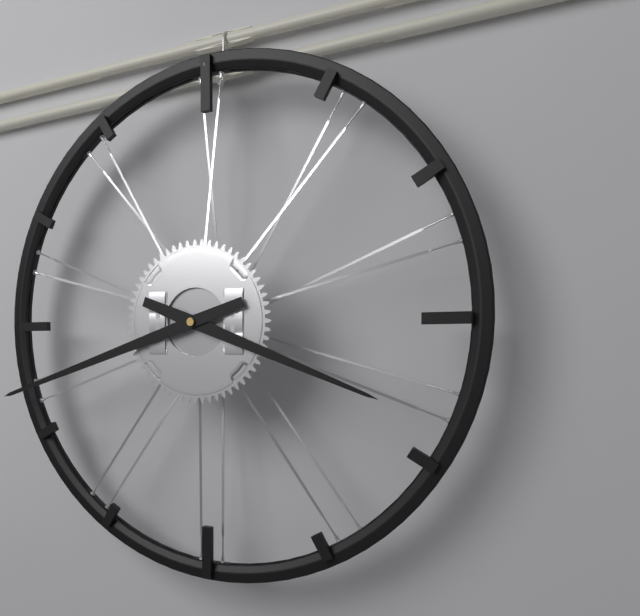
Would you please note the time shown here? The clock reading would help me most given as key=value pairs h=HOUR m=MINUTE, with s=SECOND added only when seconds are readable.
h=3 m=42
